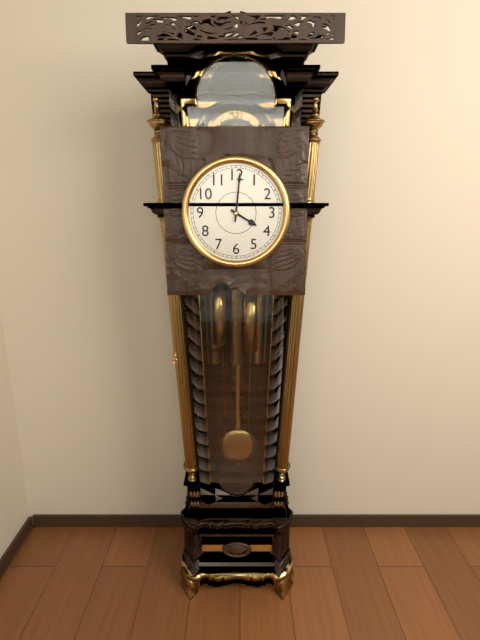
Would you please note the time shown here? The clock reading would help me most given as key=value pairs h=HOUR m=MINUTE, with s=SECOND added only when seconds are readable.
h=4 m=1
